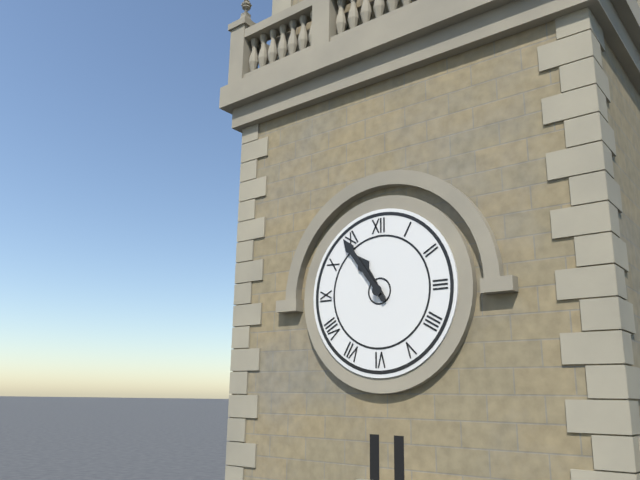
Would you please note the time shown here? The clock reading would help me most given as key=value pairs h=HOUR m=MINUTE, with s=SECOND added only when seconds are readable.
h=10 m=54
